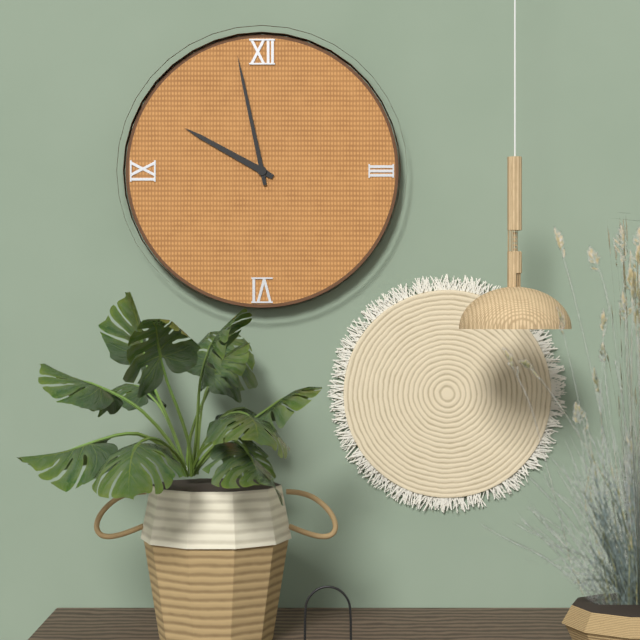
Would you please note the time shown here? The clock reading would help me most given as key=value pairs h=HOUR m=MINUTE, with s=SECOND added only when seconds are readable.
h=9 m=58
